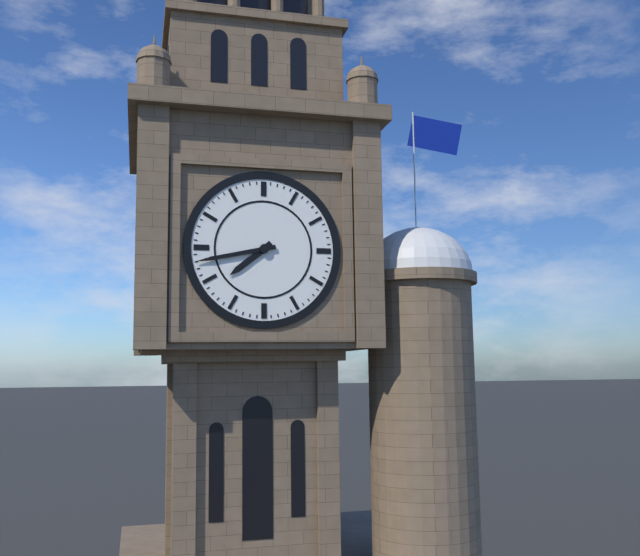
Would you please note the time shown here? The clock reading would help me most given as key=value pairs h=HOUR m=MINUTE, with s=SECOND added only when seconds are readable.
h=7 m=43
